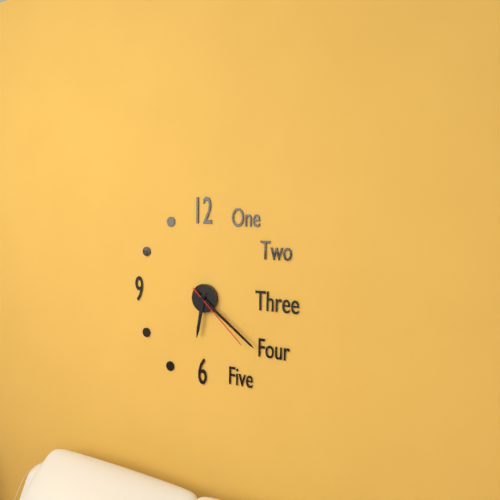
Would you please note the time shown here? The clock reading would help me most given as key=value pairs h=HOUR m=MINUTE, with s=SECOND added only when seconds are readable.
h=6 m=21 s=22
